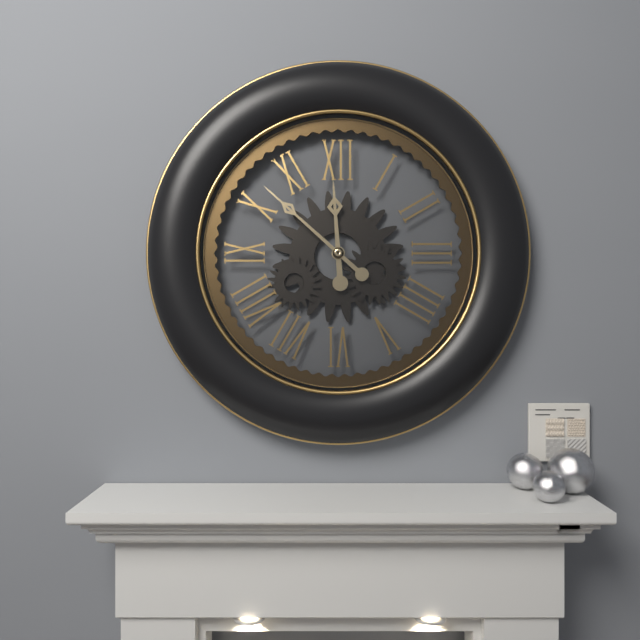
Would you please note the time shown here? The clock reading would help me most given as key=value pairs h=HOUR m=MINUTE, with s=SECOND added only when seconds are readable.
h=11 m=52
